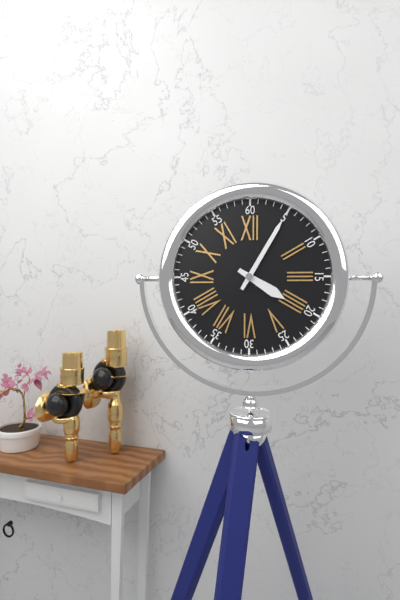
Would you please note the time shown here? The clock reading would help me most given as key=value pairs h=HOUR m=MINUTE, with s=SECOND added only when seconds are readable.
h=4 m=5
